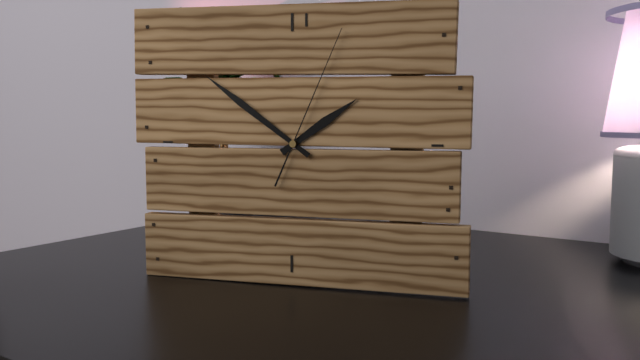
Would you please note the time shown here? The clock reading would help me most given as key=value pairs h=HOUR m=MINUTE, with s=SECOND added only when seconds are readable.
h=1 m=51 s=4
